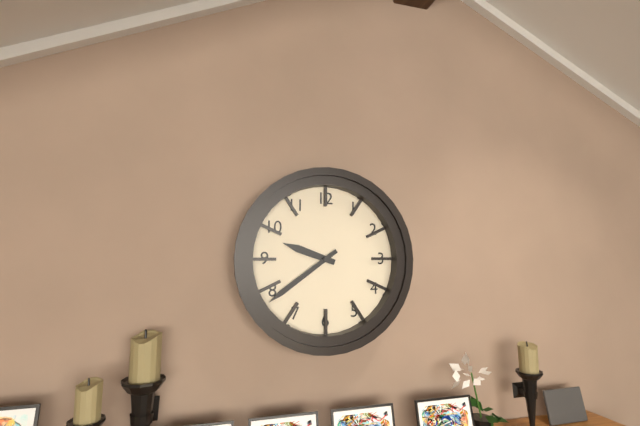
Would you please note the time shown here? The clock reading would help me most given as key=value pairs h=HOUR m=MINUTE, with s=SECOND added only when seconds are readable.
h=9 m=39
